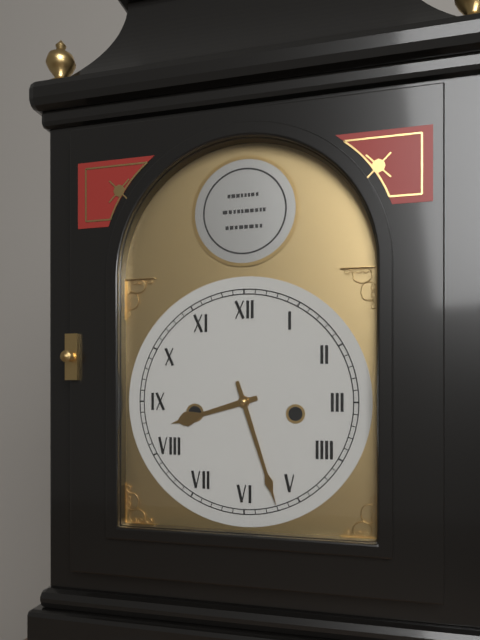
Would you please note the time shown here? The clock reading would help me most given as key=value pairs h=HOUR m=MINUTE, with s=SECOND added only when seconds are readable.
h=8 m=27
